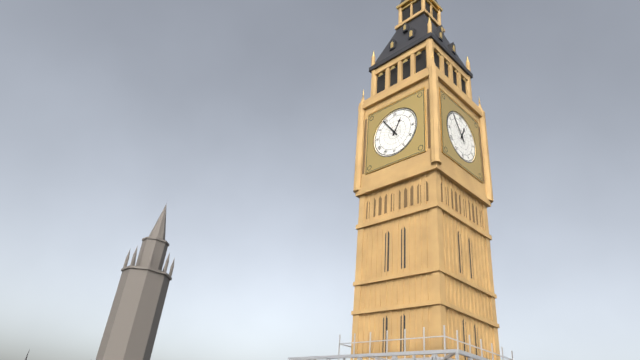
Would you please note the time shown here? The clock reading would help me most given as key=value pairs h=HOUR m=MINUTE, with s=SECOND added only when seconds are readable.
h=12 m=54
